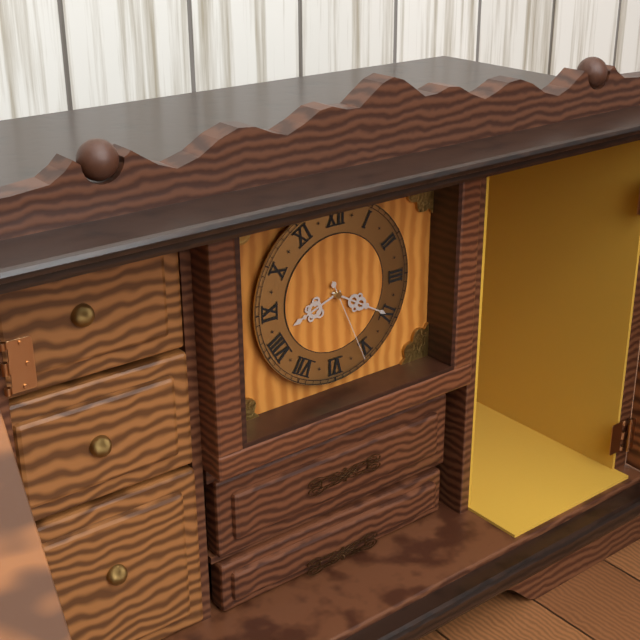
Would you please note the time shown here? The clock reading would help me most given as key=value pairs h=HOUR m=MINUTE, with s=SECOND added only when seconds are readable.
h=8 m=20 s=26
